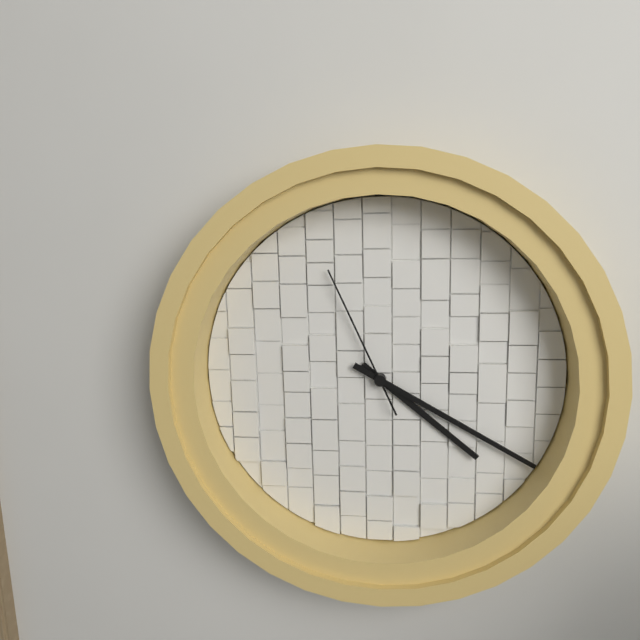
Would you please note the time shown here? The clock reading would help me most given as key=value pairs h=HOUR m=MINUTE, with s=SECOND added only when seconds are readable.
h=4 m=20 s=56
